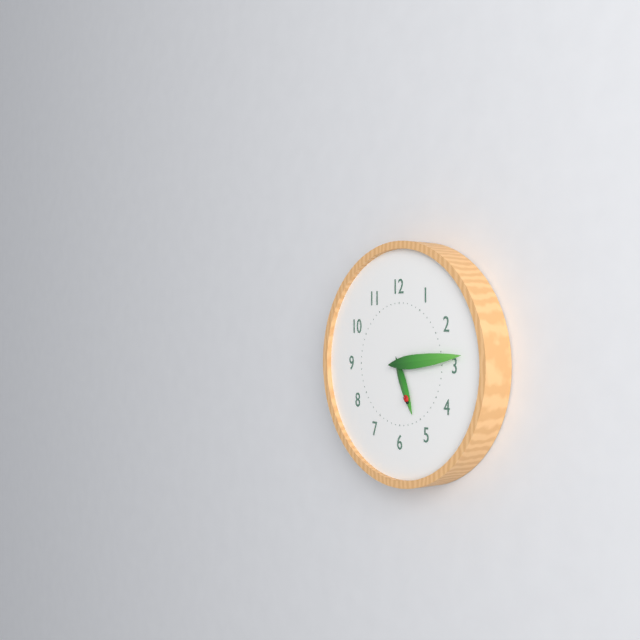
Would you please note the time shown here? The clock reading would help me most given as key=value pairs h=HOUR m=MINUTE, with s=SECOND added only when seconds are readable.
h=5 m=14
